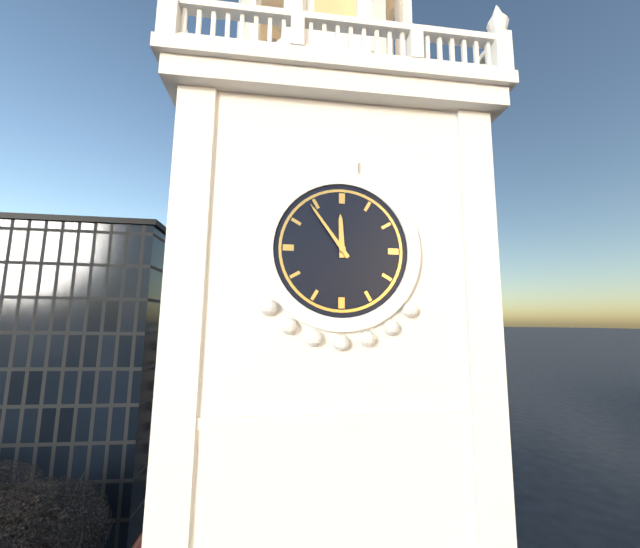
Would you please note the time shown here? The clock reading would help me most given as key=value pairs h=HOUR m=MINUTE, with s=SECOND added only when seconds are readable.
h=11 m=54
